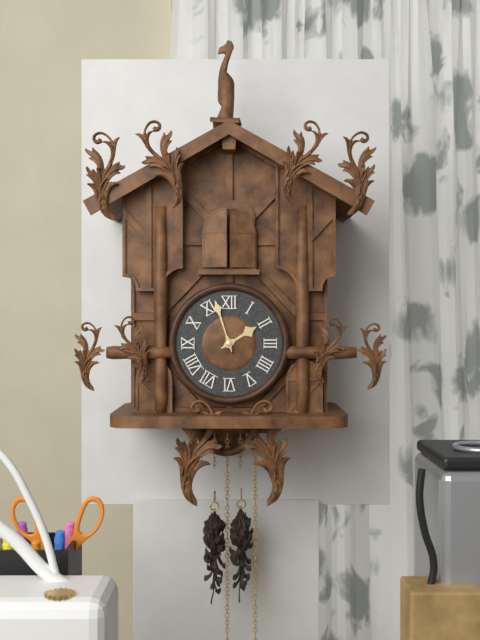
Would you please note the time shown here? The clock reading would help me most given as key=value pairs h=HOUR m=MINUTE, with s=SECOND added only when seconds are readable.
h=1 m=57
